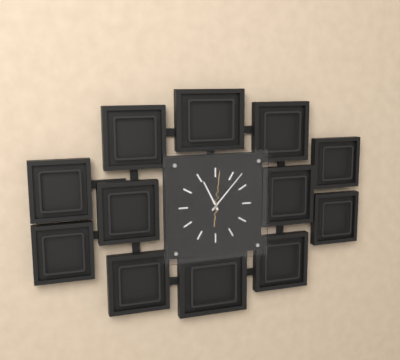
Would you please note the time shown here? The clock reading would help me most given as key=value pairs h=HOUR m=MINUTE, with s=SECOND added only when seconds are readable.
h=11 m=7
